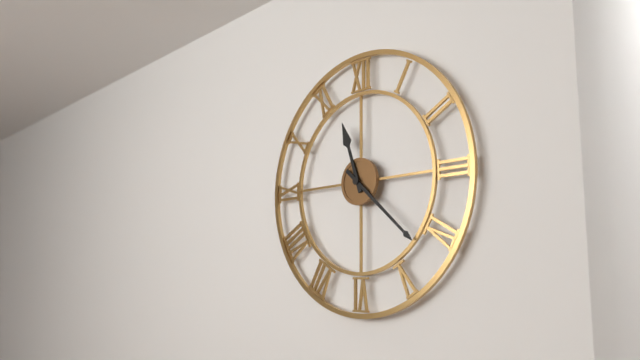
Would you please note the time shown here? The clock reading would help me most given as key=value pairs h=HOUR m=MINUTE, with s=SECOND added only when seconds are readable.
h=11 m=22
